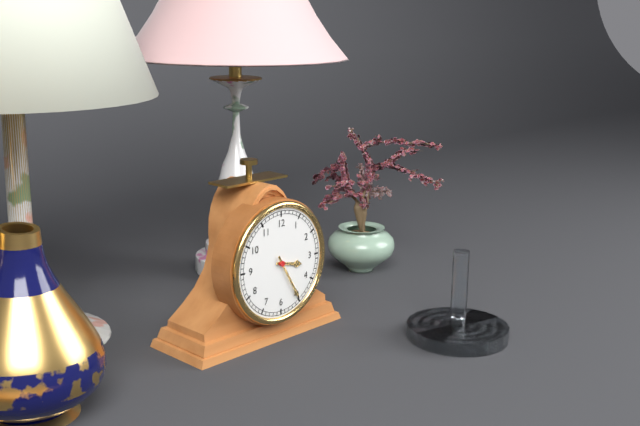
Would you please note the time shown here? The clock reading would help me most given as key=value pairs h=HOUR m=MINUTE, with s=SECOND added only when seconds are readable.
h=3 m=25
